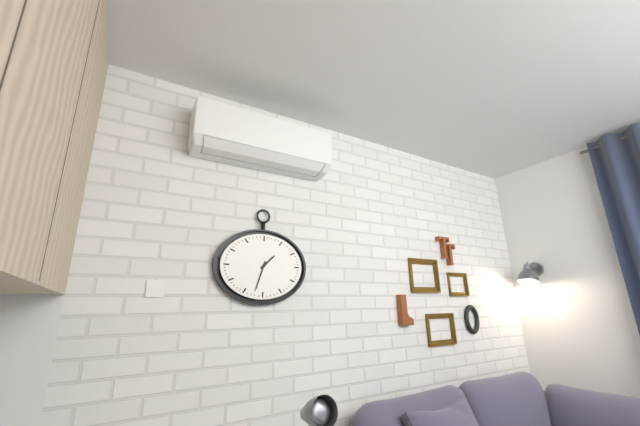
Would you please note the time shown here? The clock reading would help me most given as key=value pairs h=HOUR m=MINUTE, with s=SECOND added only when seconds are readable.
h=1 m=33
